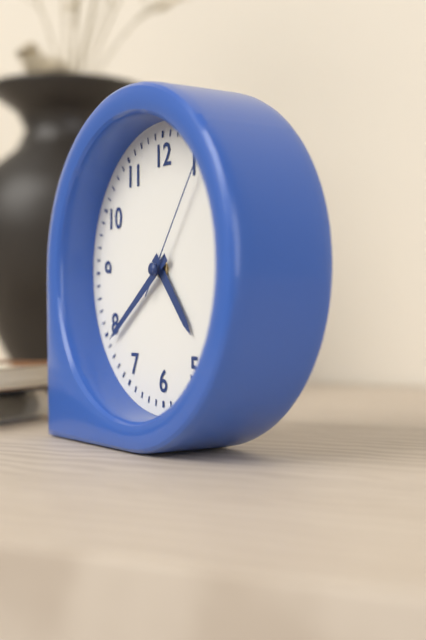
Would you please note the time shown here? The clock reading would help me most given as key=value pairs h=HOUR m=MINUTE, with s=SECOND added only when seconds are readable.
h=4 m=39 s=6
